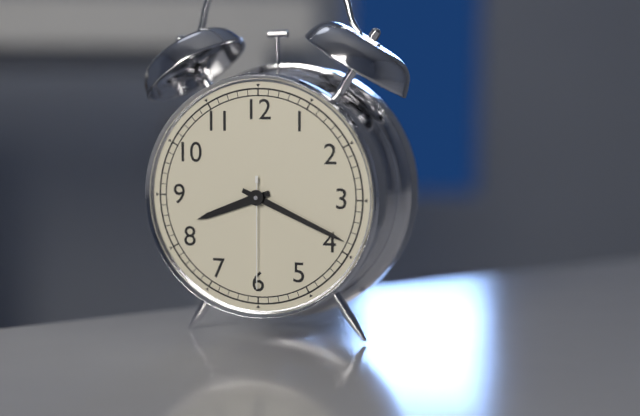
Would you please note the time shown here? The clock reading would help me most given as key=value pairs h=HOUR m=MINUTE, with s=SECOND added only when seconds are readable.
h=8 m=19 s=30
